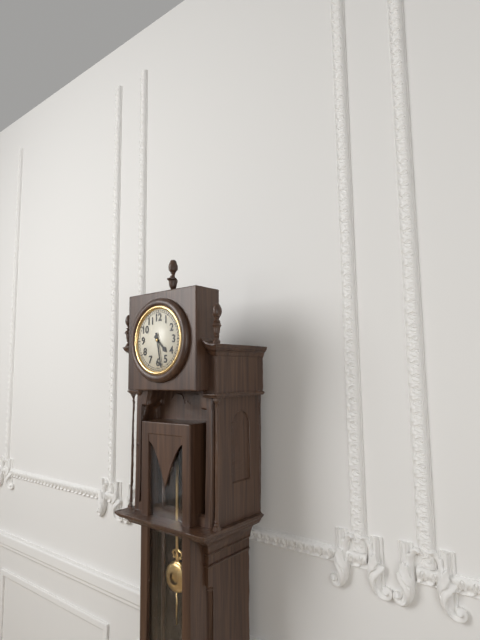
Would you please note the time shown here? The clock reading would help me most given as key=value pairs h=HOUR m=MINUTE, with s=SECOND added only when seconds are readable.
h=4 m=28
